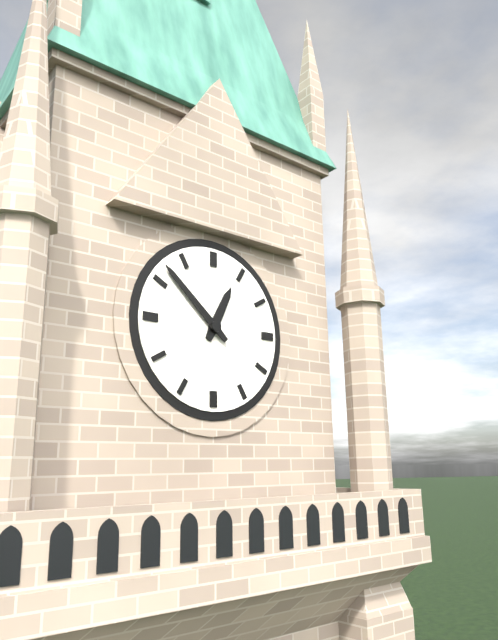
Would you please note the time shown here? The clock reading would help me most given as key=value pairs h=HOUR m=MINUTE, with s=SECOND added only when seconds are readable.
h=12 m=52
